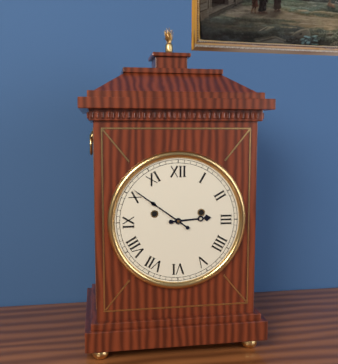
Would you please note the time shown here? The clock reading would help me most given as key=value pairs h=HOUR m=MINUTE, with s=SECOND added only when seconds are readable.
h=2 m=51
